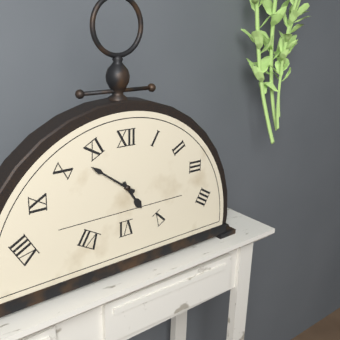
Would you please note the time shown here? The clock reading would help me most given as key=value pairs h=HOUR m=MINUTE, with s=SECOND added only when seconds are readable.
h=4 m=51
